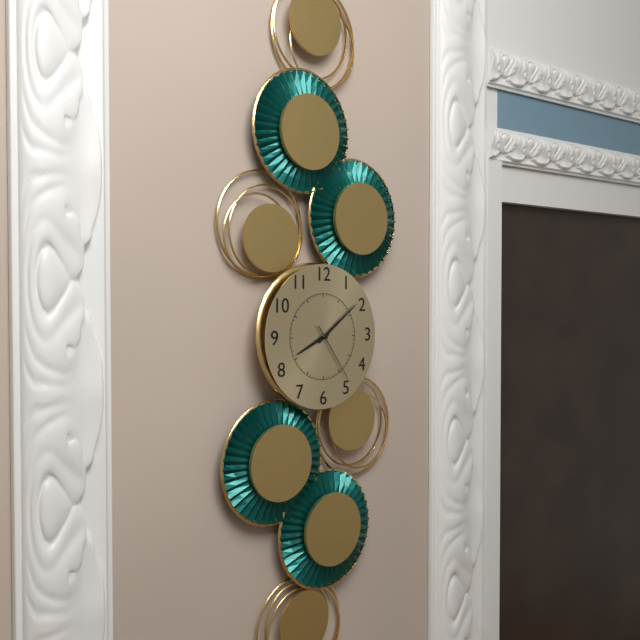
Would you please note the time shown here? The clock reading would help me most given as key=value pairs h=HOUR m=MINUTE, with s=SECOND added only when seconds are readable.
h=8 m=9 s=24
